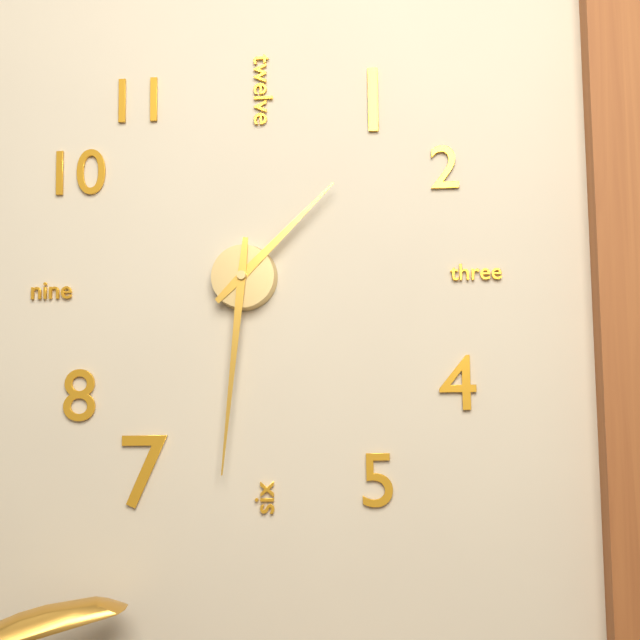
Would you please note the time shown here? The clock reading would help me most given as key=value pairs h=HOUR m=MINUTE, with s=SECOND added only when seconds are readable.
h=1 m=31
